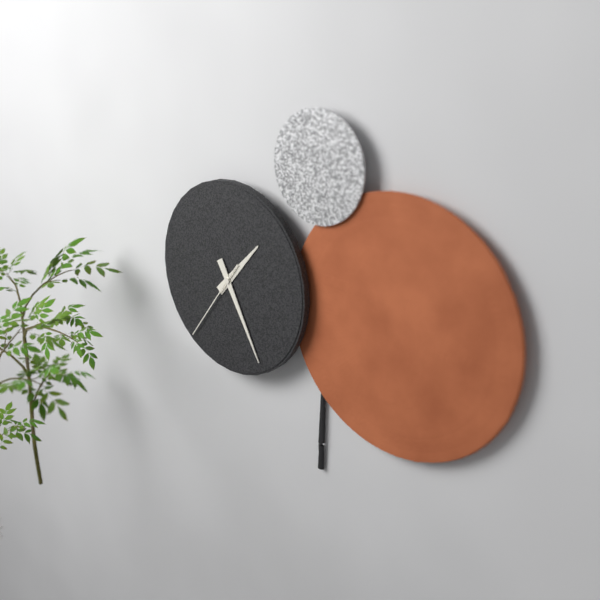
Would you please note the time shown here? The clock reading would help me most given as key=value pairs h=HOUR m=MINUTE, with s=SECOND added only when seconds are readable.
h=1 m=25 s=36
